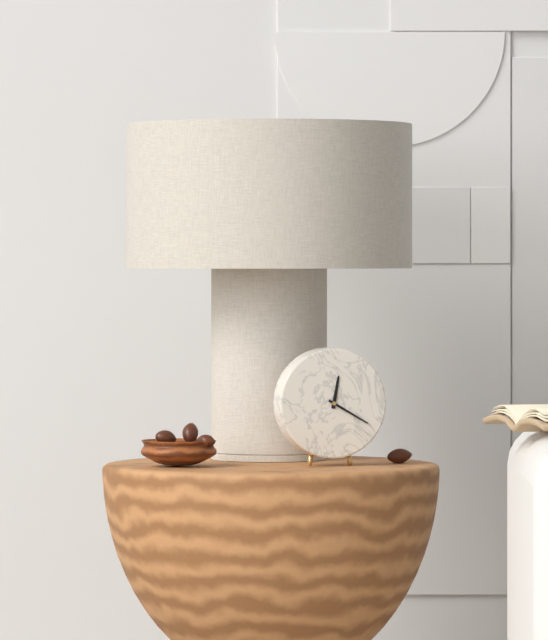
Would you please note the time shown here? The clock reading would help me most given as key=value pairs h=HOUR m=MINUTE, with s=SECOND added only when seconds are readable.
h=12 m=20
